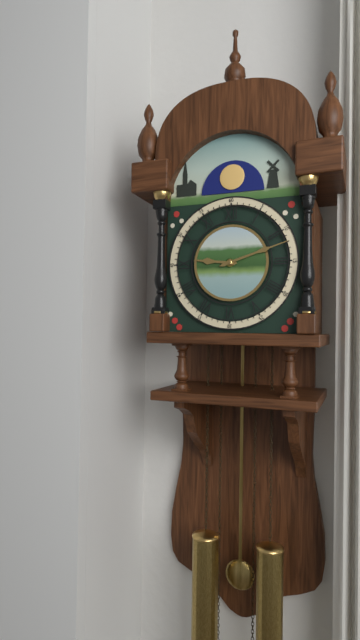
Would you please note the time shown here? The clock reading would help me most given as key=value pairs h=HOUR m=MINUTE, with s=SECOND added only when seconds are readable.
h=9 m=12
